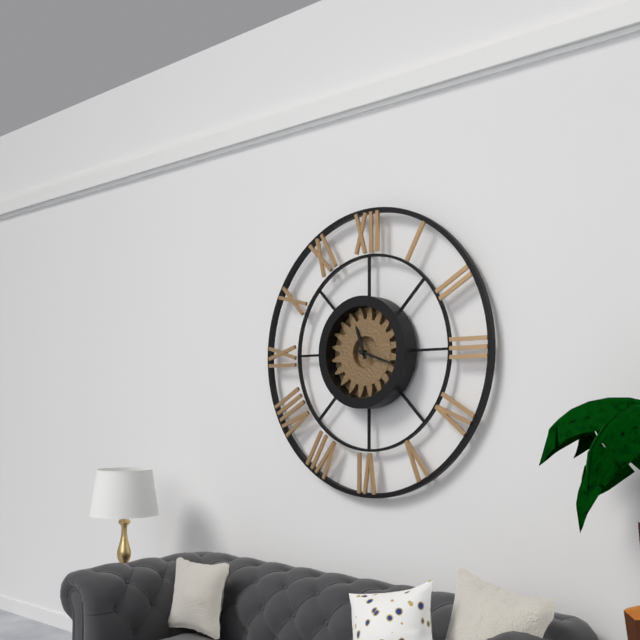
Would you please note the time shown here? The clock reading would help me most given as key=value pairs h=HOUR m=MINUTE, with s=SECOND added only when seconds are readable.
h=11 m=18
